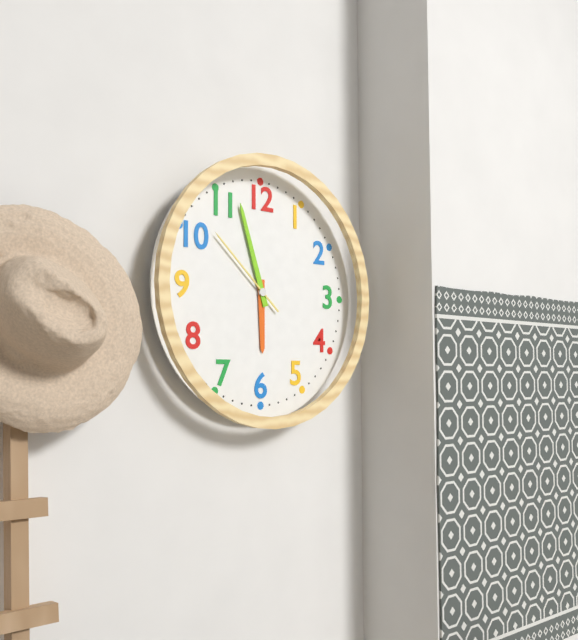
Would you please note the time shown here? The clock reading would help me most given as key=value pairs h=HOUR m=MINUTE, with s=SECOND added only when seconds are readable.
h=5 m=57 s=52
